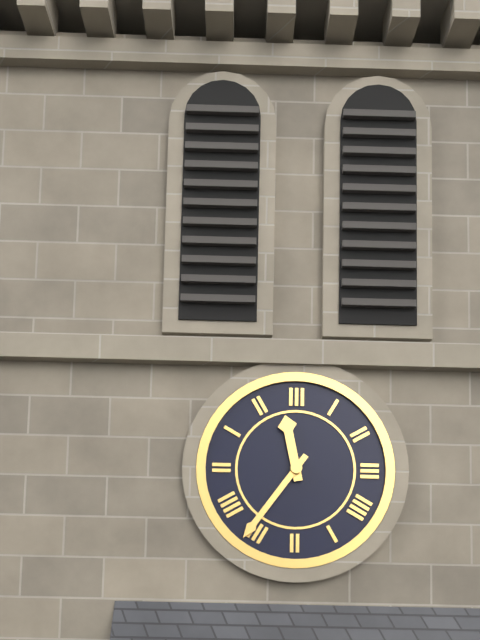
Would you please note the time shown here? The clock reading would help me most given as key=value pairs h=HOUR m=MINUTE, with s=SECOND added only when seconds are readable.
h=11 m=36
